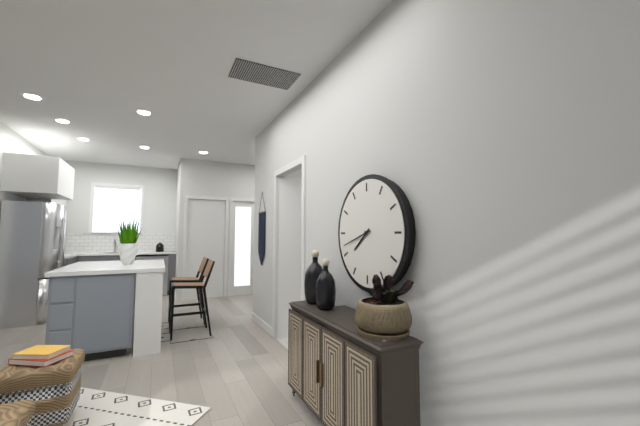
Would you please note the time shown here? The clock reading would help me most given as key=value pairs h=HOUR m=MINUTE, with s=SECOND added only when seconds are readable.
h=7 m=42
